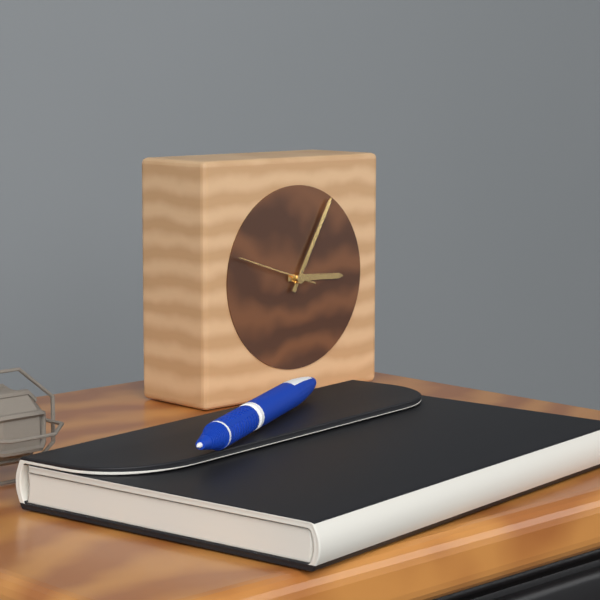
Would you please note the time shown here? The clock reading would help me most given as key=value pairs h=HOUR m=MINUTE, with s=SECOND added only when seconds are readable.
h=3 m=5
